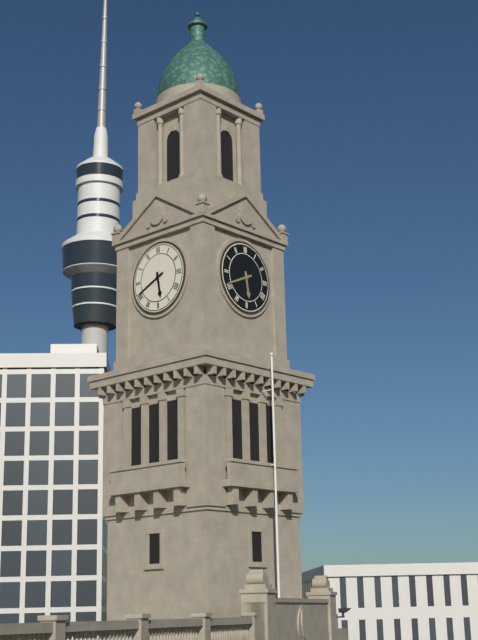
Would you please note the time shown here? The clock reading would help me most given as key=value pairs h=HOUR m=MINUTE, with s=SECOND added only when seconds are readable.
h=5 m=41
